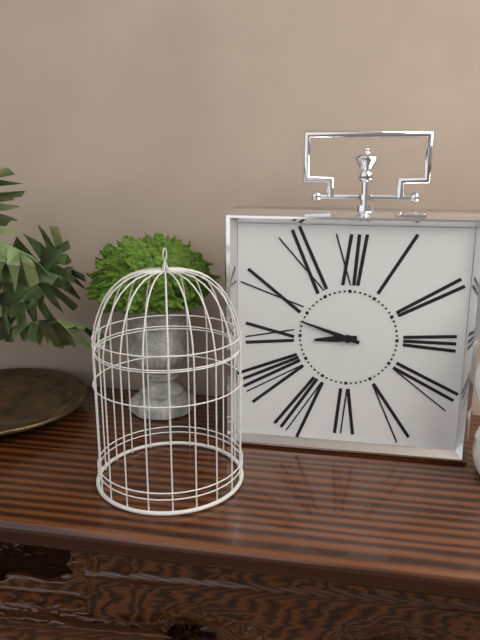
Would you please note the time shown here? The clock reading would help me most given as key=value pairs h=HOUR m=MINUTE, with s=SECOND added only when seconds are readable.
h=8 m=48
